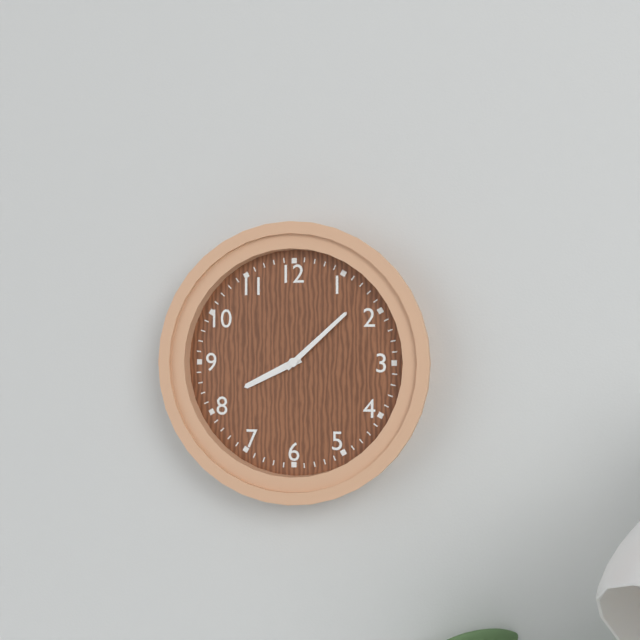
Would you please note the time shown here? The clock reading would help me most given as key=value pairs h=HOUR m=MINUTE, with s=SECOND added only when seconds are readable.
h=8 m=8
